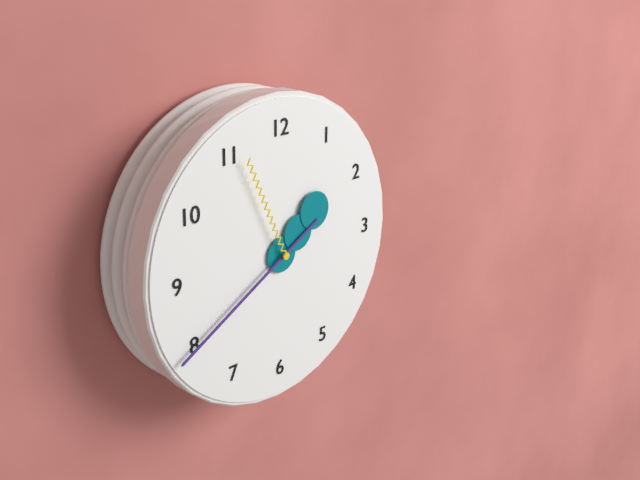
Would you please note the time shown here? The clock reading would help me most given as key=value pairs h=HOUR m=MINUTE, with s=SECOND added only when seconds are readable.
h=1 m=40 s=56
